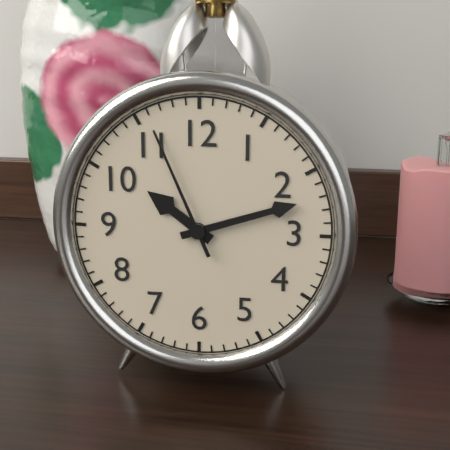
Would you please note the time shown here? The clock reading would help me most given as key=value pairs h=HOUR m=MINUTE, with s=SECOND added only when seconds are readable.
h=10 m=12 s=56
